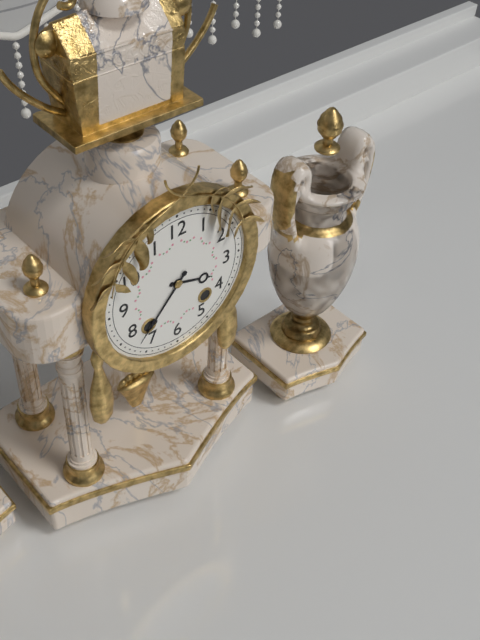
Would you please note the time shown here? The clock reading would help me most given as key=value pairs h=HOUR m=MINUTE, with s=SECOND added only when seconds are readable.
h=3 m=37
